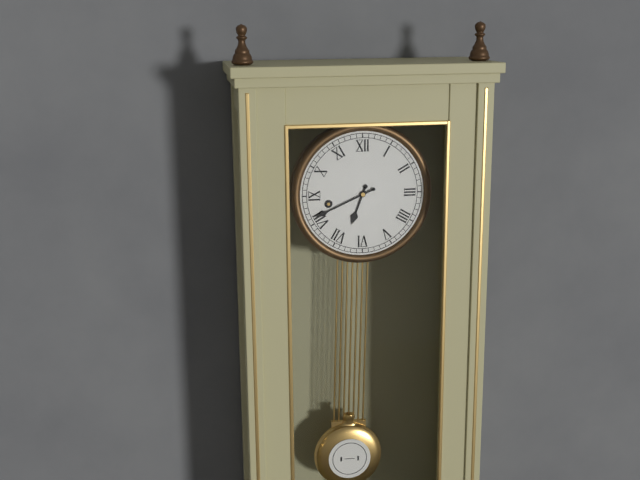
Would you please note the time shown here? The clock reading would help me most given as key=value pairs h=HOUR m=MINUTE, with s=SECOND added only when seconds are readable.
h=6 m=41
